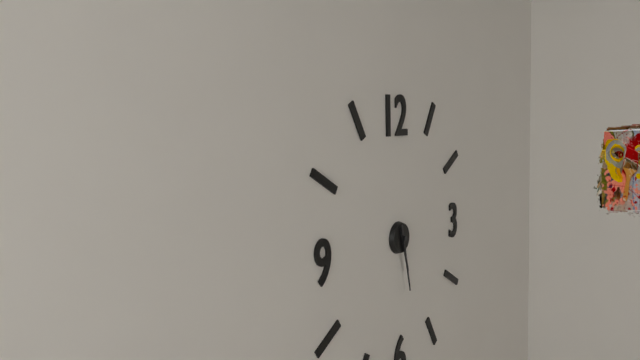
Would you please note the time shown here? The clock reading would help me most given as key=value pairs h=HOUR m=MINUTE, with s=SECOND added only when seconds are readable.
h=5 m=28
